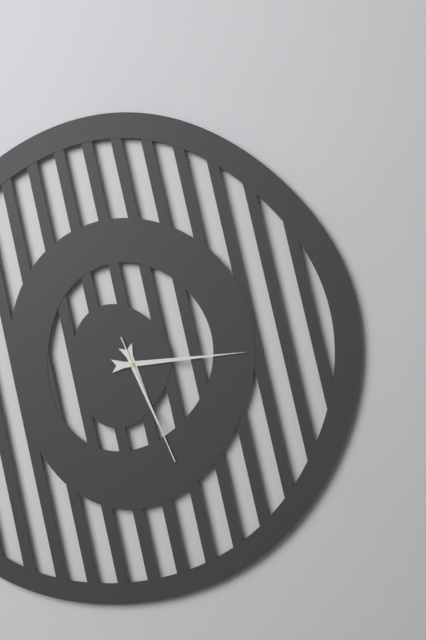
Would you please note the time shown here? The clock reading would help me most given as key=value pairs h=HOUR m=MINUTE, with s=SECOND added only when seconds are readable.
h=5 m=14 s=26
